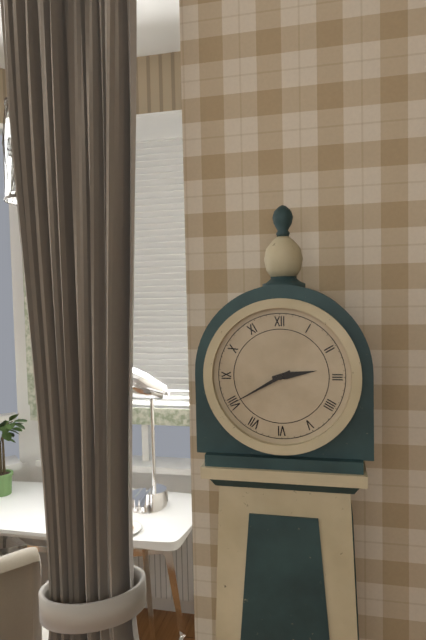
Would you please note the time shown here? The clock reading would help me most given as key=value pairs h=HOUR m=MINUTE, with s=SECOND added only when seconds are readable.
h=2 m=40
